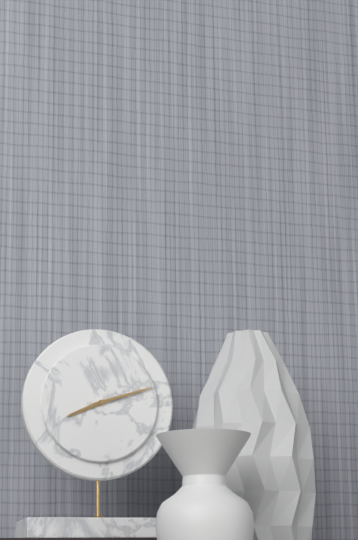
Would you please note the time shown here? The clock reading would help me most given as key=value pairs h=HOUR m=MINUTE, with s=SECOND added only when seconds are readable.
h=8 m=12
